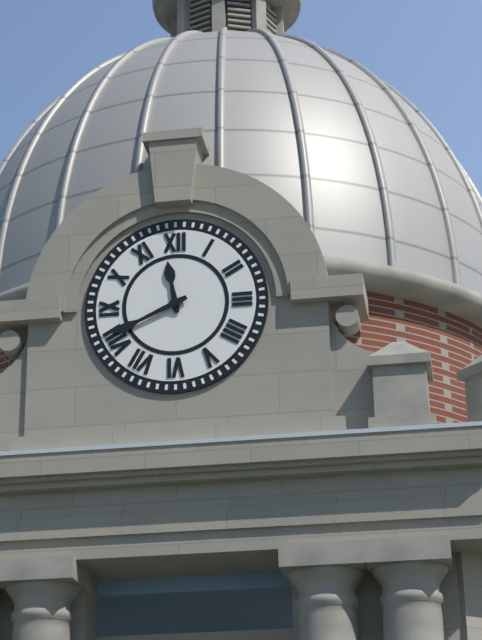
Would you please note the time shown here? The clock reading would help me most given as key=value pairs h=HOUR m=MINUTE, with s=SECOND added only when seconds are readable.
h=11 m=41
